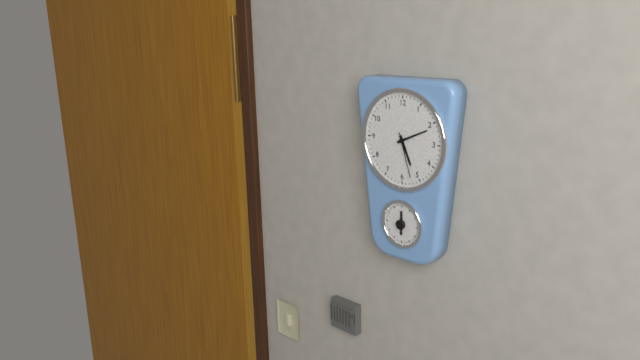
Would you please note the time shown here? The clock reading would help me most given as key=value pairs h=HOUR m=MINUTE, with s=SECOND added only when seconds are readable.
h=5 m=11
